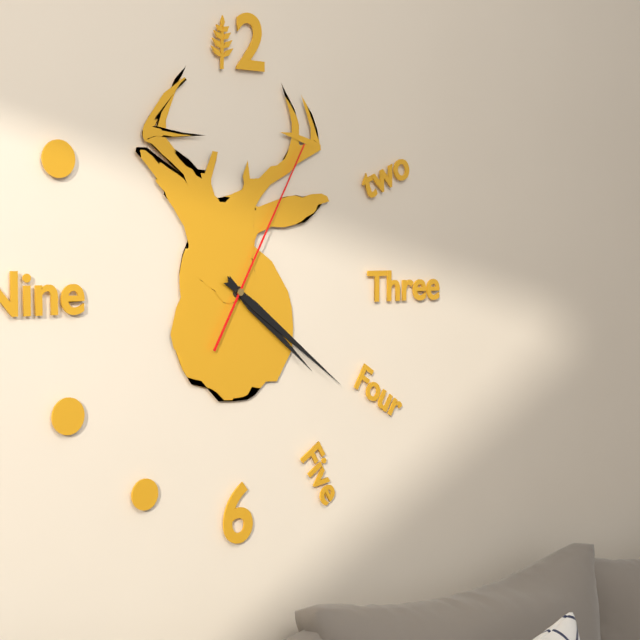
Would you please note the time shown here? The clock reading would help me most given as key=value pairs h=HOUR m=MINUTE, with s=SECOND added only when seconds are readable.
h=4 m=21 s=5
